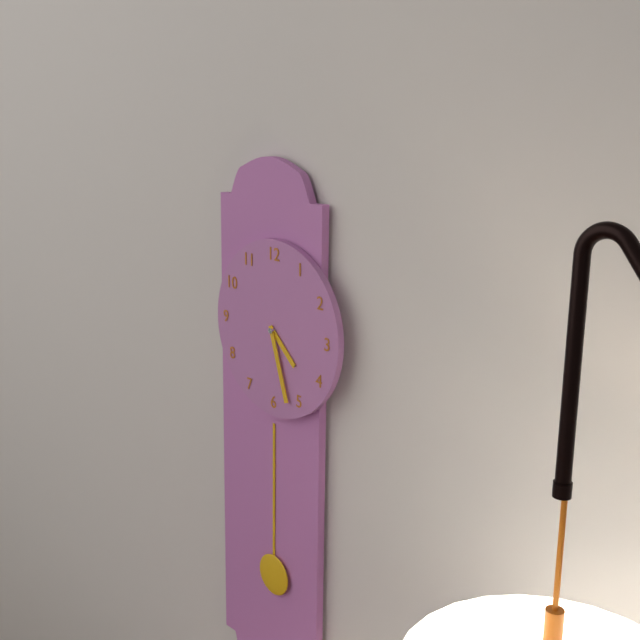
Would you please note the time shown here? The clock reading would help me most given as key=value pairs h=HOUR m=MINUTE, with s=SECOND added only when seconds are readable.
h=4 m=27
